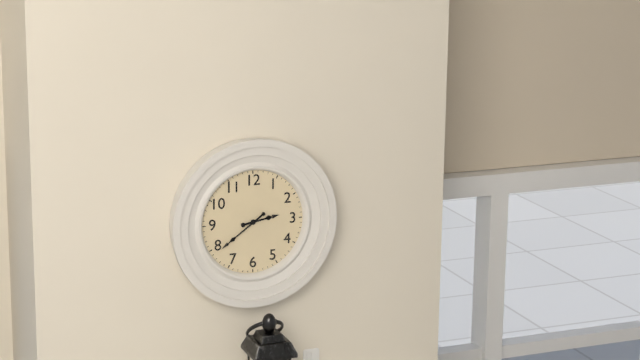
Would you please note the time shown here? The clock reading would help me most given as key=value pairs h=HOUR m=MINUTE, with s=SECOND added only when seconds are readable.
h=2 m=39
